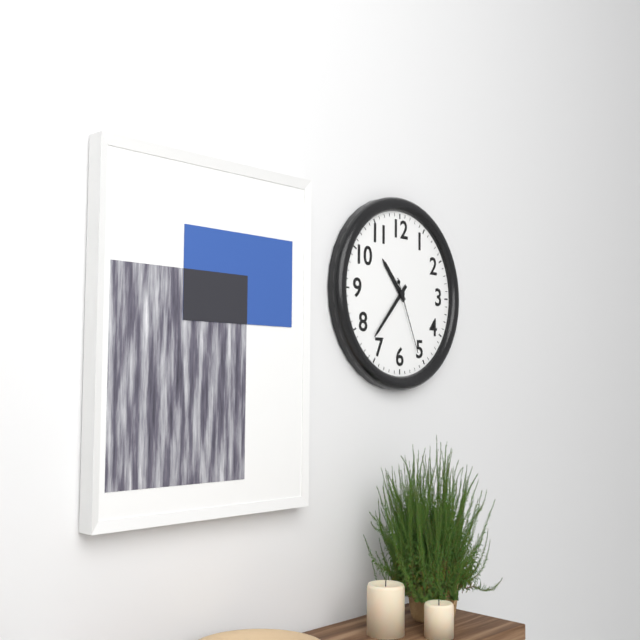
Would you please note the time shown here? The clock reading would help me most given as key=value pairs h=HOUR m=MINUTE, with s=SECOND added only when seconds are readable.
h=10 m=37 s=26
